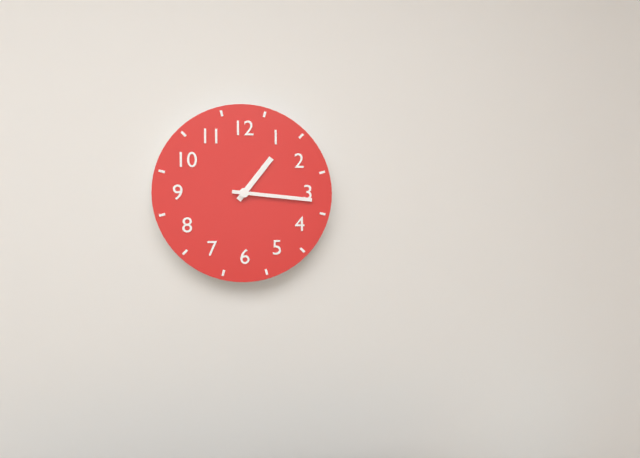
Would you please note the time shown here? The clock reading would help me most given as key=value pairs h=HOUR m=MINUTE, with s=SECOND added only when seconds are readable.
h=1 m=16
